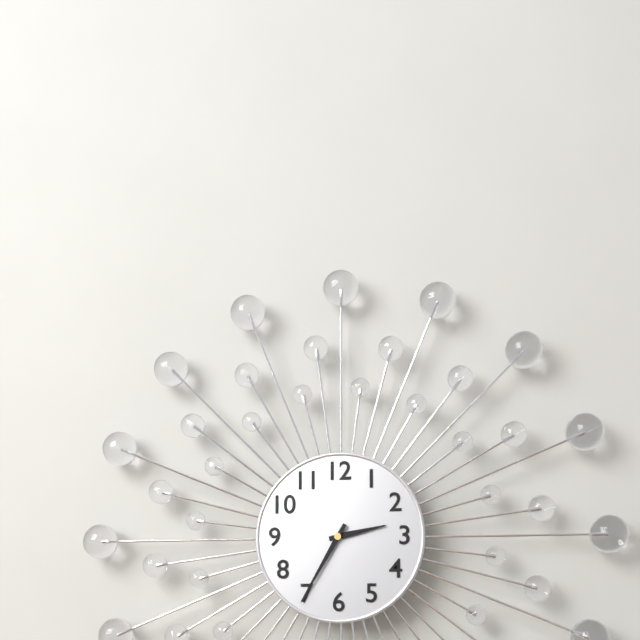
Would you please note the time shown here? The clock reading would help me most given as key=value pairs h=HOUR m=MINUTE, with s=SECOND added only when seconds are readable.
h=2 m=35
